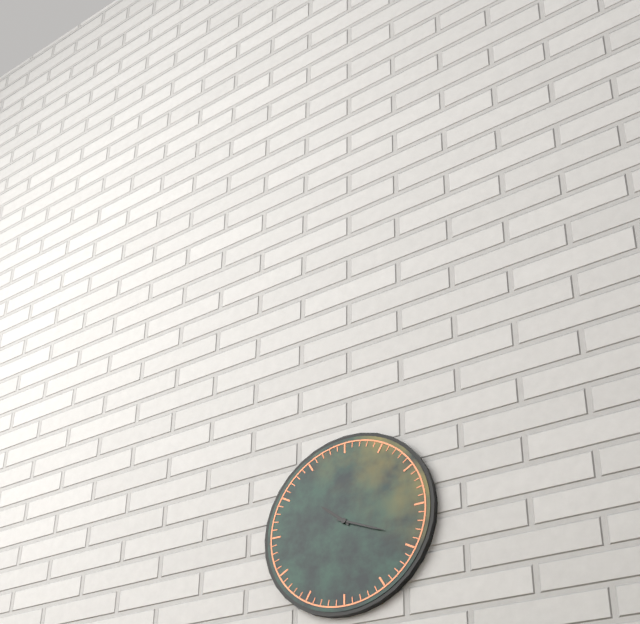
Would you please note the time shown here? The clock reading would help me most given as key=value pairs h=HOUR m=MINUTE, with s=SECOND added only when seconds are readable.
h=10 m=19
